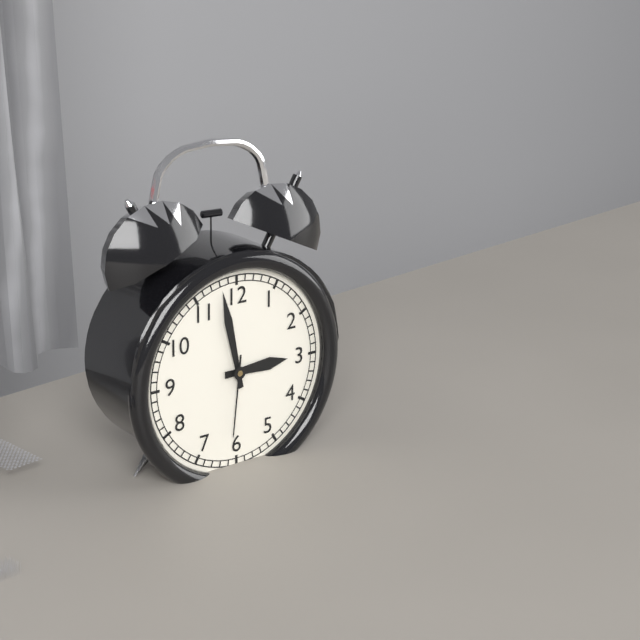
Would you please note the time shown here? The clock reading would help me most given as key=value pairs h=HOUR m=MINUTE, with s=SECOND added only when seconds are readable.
h=2 m=58 s=31
